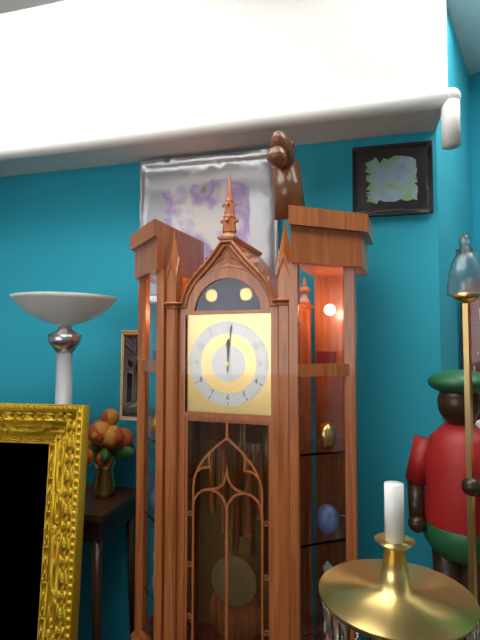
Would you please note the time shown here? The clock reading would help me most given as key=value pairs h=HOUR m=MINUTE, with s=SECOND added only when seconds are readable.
h=12 m=1
